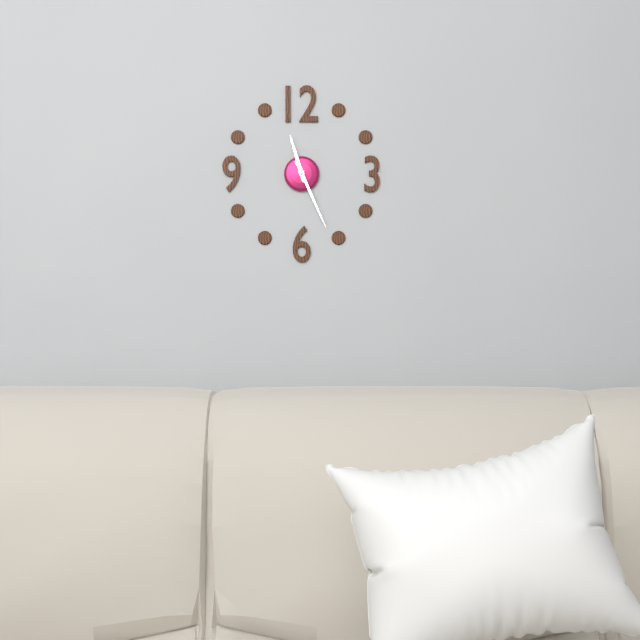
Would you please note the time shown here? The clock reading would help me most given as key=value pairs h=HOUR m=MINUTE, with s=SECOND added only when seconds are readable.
h=11 m=26
